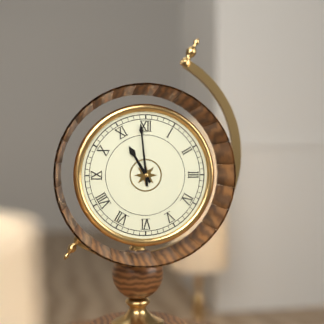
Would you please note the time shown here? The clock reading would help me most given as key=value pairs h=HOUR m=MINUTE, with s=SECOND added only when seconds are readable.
h=10 m=59
